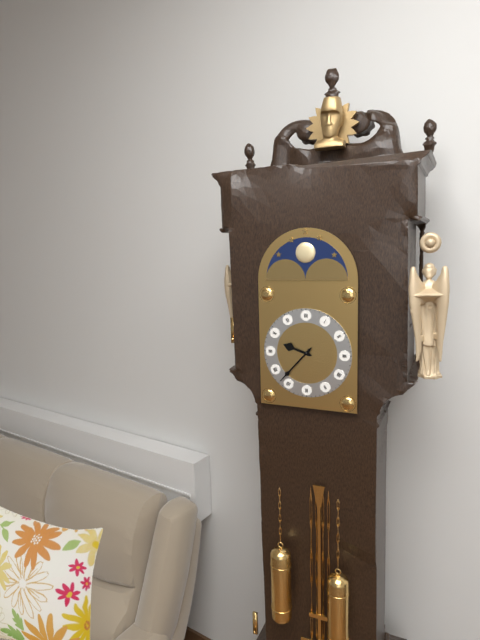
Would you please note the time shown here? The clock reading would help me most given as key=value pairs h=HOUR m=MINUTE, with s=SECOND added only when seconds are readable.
h=9 m=37
